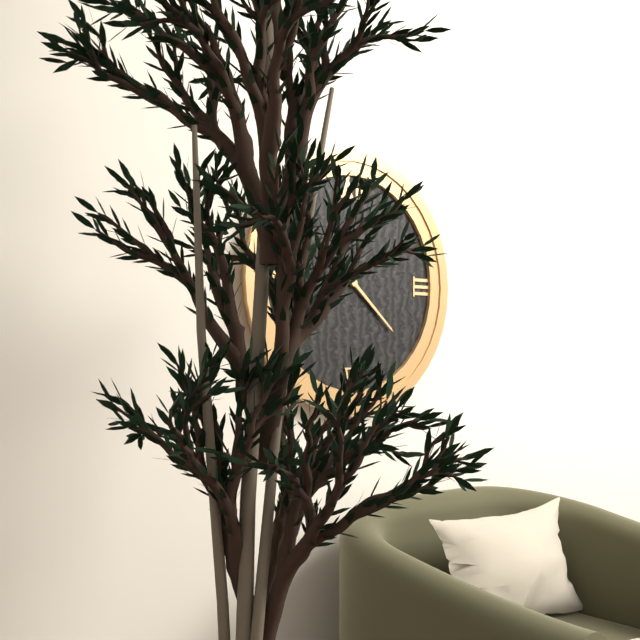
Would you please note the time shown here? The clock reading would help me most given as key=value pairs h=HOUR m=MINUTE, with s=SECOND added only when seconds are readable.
h=4 m=22
